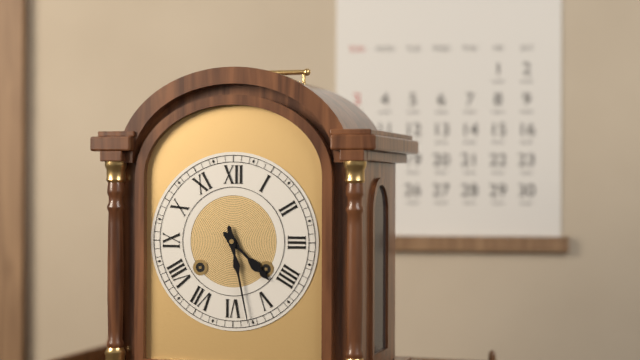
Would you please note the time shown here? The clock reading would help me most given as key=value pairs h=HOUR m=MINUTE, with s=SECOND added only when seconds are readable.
h=4 m=28
